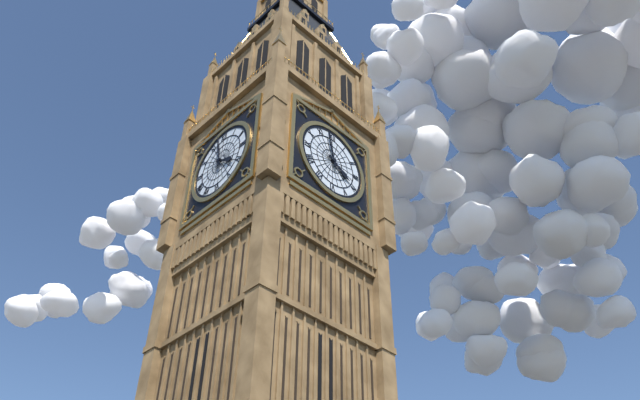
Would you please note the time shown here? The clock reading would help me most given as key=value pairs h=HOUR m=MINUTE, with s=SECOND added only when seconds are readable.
h=3 m=58
